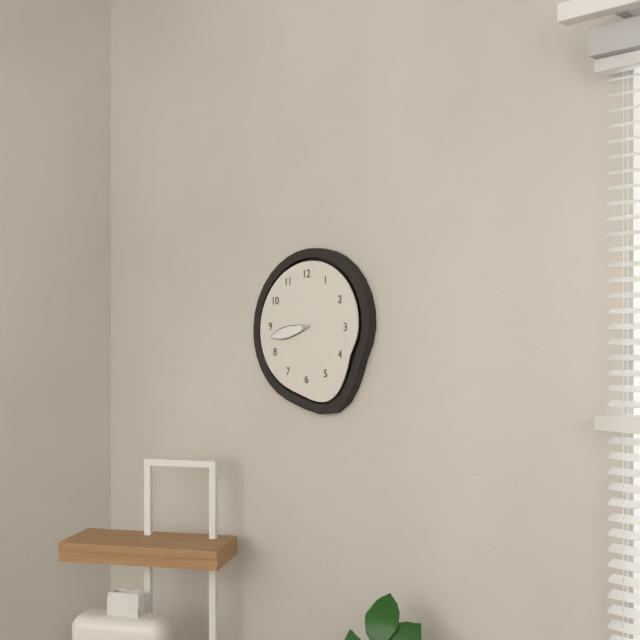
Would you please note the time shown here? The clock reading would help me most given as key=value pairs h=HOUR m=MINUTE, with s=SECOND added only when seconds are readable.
h=8 m=43
